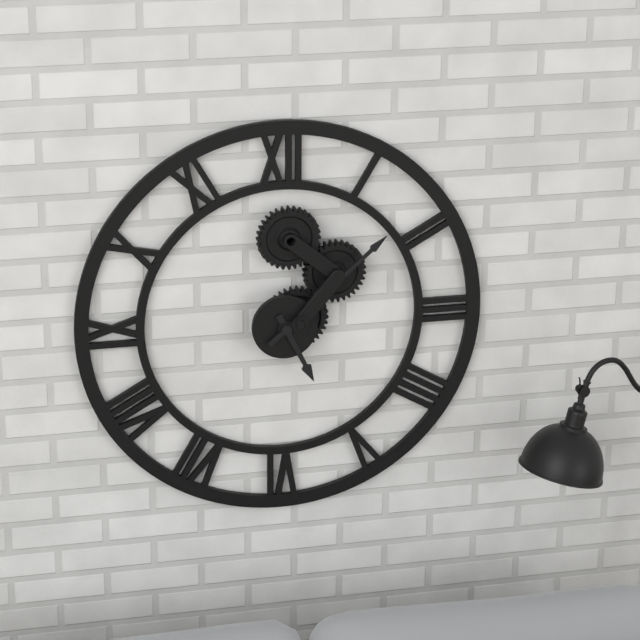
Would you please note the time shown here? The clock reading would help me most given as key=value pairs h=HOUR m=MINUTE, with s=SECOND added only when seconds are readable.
h=5 m=8
